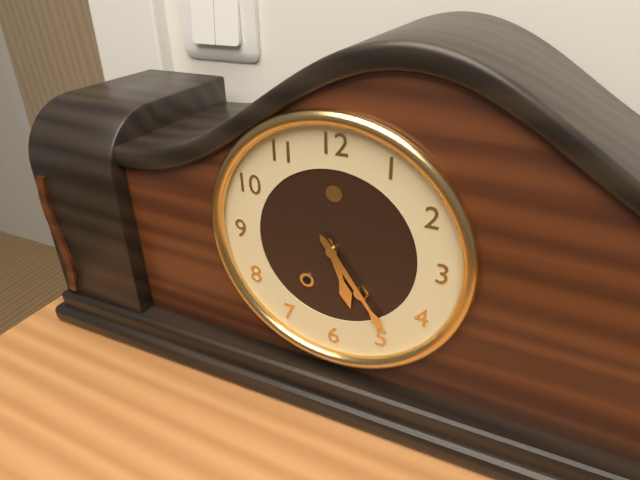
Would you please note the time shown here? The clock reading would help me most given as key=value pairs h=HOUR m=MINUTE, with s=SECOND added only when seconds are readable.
h=5 m=24
